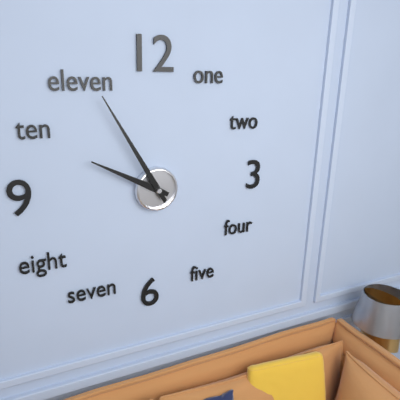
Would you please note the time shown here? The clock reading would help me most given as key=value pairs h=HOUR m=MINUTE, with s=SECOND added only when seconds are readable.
h=9 m=55
